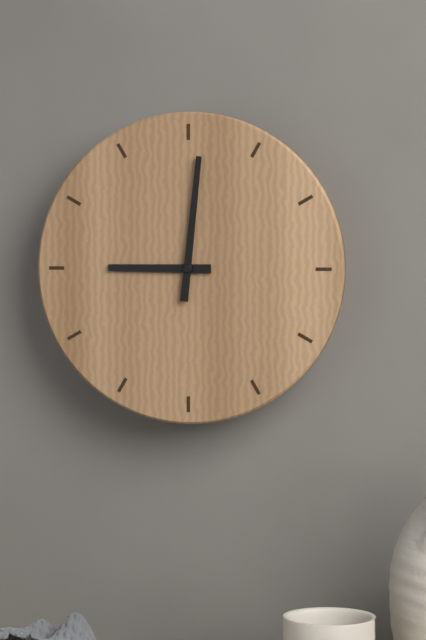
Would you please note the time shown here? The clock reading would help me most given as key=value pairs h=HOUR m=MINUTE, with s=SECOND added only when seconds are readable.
h=9 m=1
